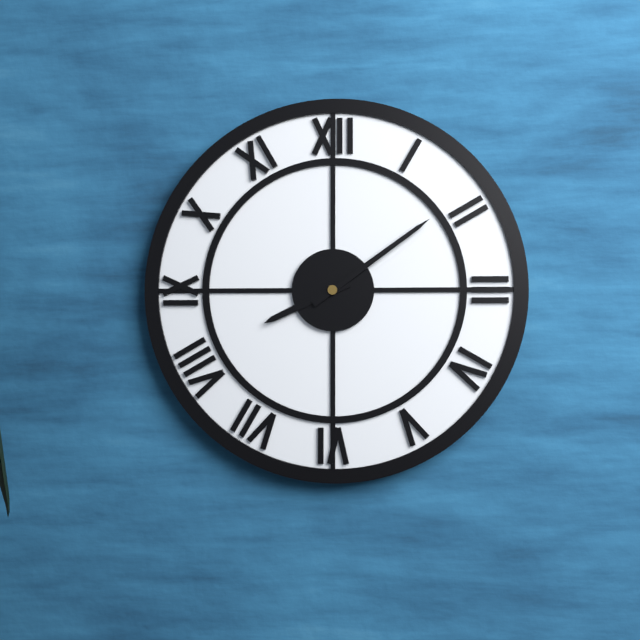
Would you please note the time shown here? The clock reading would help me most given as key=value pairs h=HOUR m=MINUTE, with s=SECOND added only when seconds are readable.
h=8 m=9
